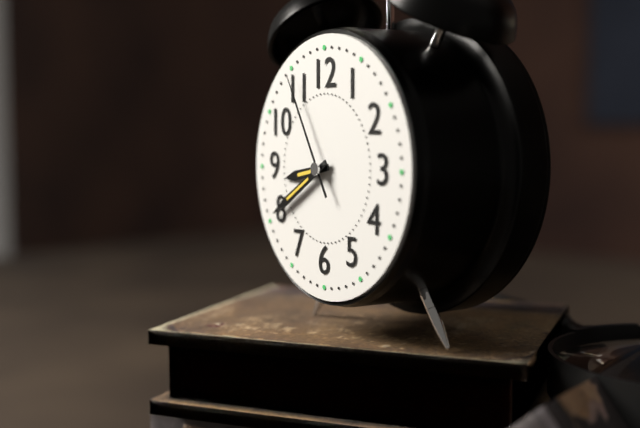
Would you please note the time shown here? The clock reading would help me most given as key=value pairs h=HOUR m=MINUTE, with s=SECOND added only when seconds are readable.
h=8 m=40 s=55
